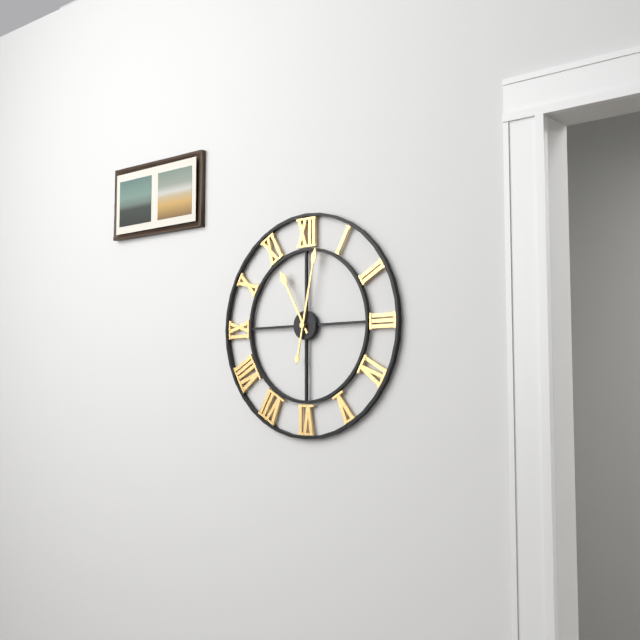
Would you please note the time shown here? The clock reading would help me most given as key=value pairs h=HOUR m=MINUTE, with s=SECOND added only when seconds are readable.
h=11 m=2
